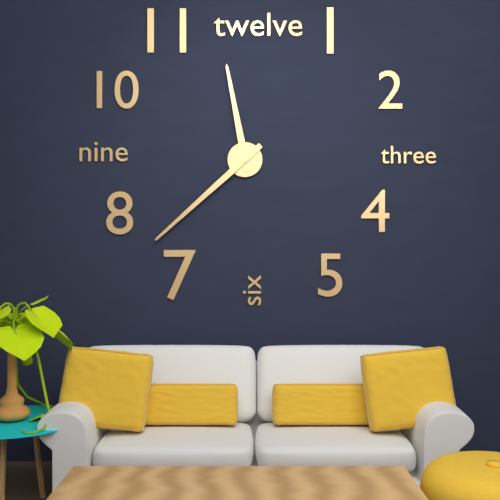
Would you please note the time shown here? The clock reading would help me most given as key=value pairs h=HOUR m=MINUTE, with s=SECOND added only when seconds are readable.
h=11 m=38
